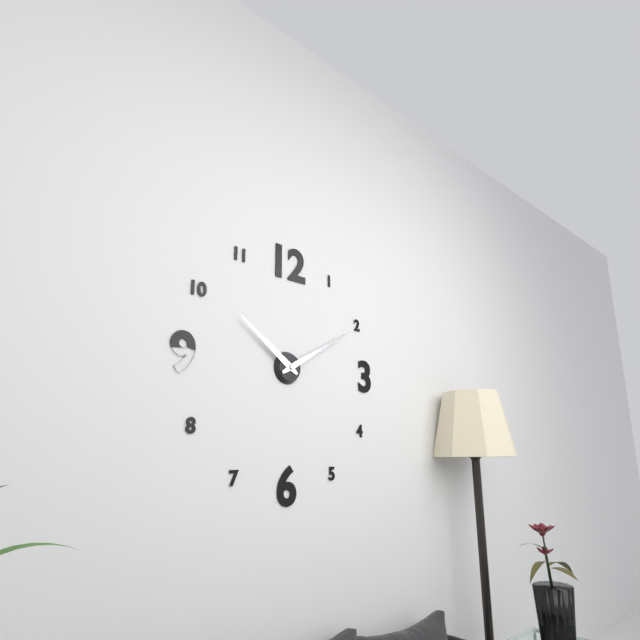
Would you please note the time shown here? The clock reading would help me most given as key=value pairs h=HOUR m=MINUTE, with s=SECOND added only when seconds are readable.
h=10 m=10
